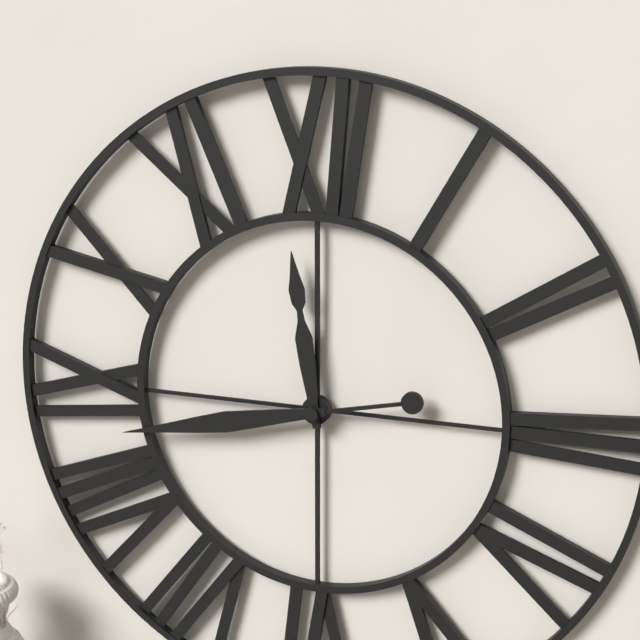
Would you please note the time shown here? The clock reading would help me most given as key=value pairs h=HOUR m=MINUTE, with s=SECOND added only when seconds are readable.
h=11 m=43
